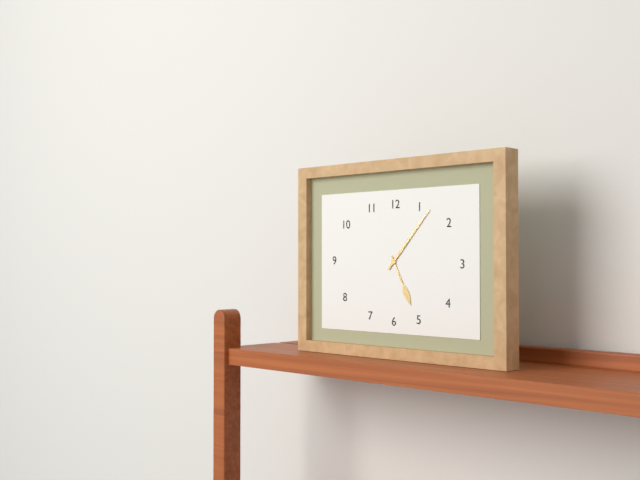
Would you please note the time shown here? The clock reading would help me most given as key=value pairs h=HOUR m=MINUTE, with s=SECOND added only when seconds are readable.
h=5 m=7
